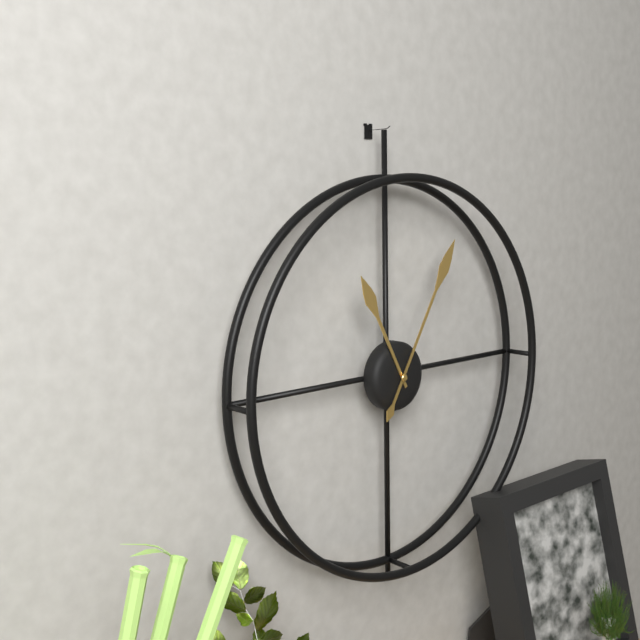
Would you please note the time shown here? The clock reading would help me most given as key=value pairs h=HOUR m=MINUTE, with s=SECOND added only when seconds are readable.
h=11 m=5
